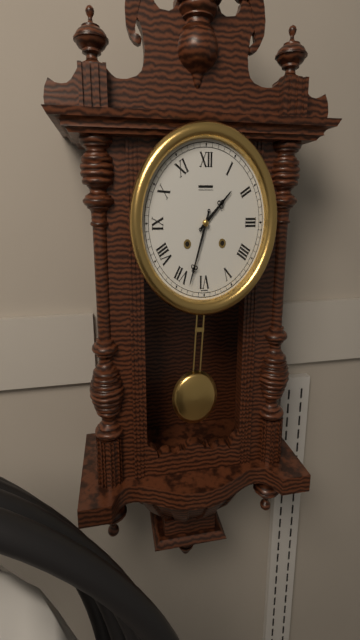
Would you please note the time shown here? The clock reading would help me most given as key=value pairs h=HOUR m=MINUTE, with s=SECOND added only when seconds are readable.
h=1 m=33
